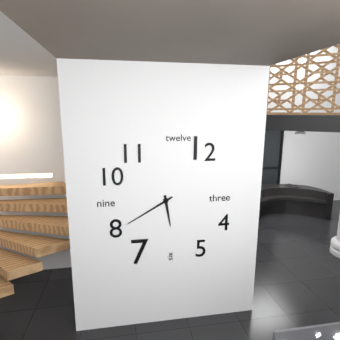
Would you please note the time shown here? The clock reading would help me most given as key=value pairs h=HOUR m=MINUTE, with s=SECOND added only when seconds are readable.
h=5 m=40
